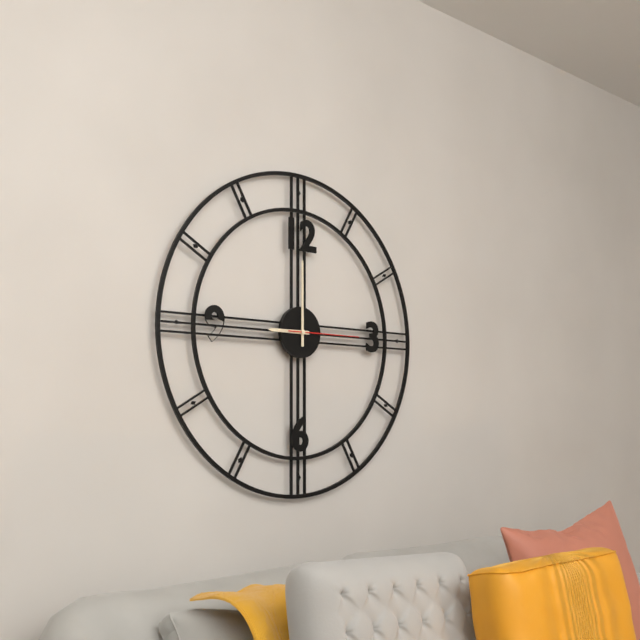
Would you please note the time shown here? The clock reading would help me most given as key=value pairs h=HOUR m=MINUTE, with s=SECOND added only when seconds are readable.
h=9 m=0 s=15
